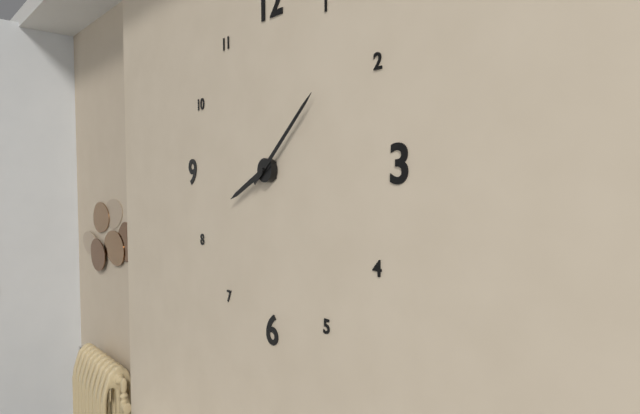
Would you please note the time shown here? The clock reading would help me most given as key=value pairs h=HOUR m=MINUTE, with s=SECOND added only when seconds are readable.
h=8 m=8
